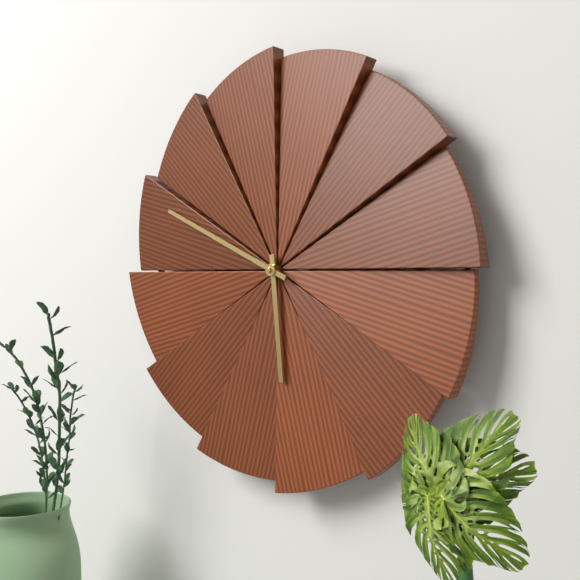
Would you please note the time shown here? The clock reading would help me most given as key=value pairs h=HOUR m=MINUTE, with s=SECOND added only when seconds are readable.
h=5 m=49
